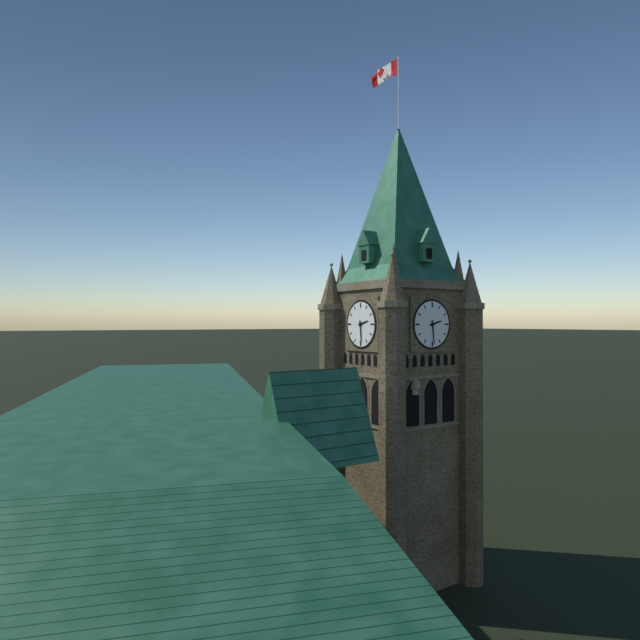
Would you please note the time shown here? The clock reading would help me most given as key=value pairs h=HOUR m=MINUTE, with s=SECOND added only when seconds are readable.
h=2 m=29
